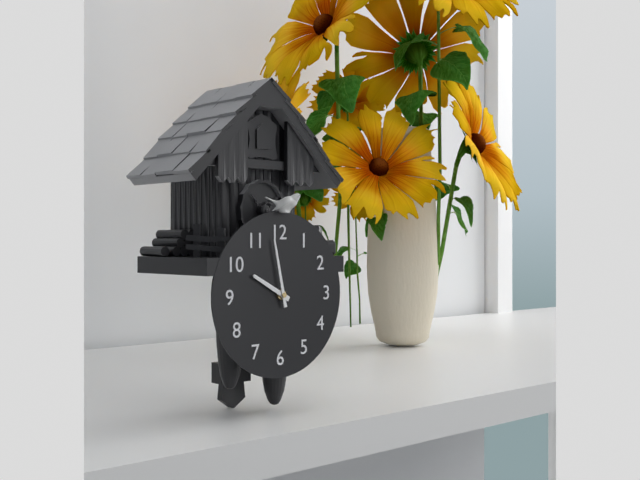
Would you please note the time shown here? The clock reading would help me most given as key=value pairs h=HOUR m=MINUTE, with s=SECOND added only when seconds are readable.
h=9 m=58
